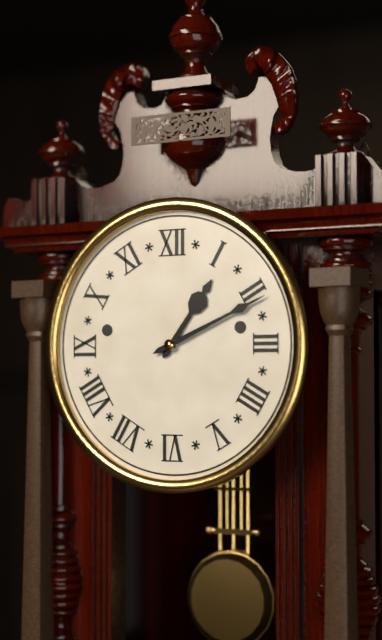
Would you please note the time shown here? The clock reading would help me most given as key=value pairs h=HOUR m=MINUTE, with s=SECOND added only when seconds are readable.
h=1 m=11
